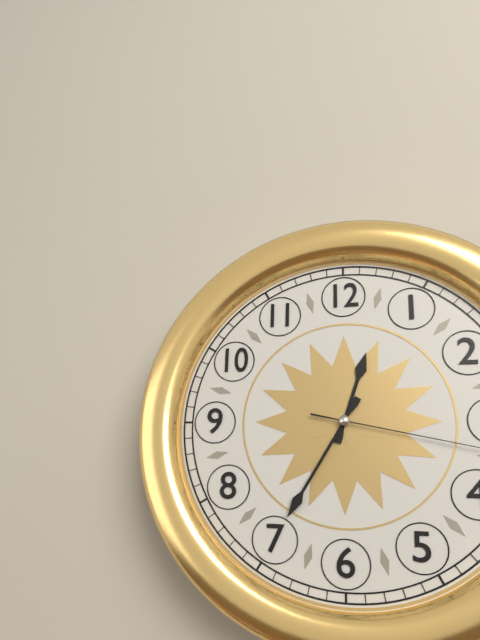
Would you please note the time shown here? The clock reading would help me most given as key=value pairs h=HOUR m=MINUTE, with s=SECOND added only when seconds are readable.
h=12 m=35
